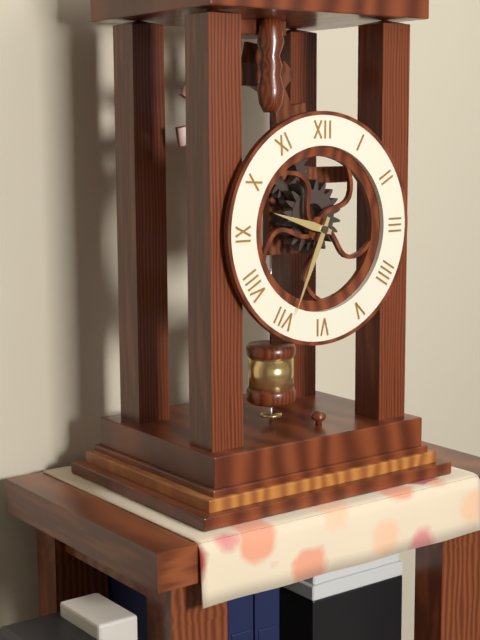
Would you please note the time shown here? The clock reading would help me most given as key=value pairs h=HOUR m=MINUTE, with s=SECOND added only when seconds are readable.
h=9 m=34
